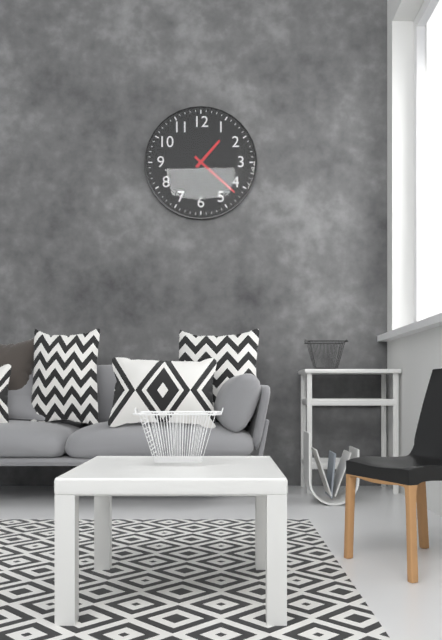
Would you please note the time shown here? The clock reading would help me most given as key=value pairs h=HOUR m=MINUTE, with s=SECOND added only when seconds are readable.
h=1 m=22
